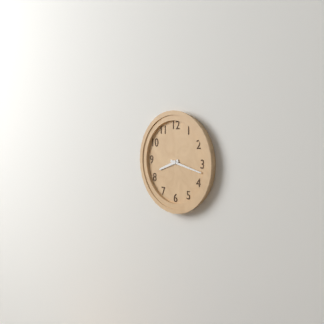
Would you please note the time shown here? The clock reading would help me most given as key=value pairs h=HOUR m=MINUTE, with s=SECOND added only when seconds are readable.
h=8 m=17
